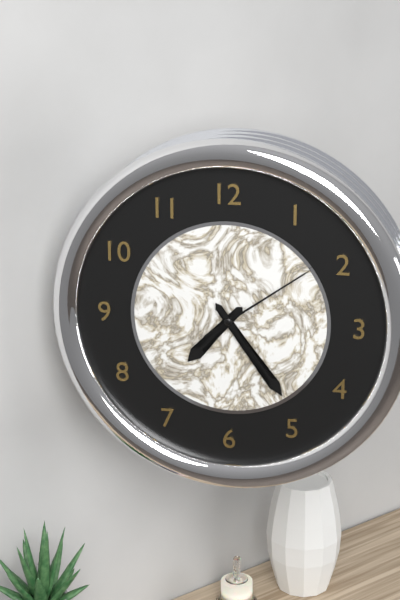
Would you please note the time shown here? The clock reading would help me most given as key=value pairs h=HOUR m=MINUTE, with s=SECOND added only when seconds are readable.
h=7 m=24 s=9
